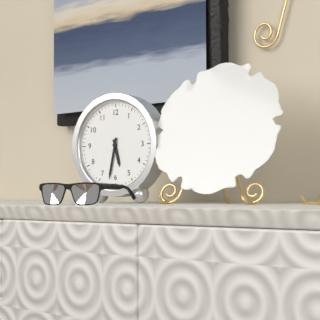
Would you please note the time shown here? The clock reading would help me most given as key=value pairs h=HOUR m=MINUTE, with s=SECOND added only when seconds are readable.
h=5 m=32
